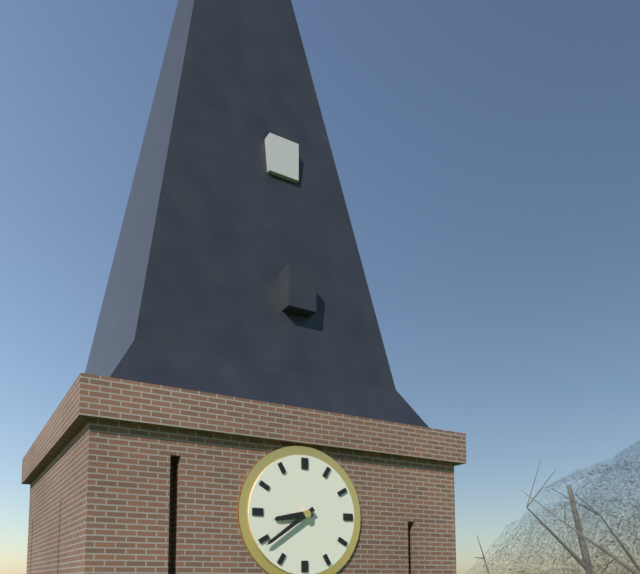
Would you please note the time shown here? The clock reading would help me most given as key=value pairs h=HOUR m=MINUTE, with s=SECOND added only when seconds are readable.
h=8 m=39
